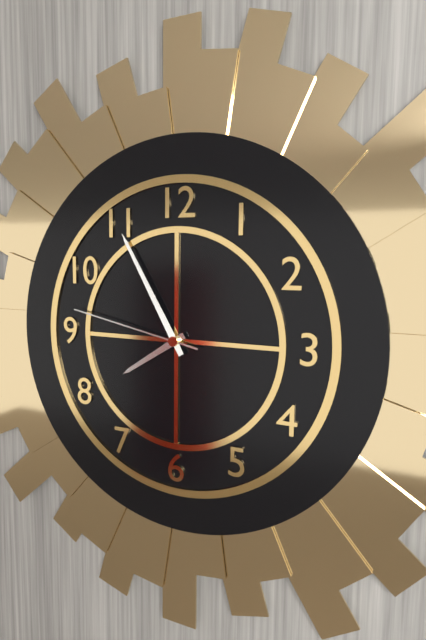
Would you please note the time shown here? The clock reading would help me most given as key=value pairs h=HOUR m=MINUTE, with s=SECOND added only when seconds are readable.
h=7 m=55 s=47
